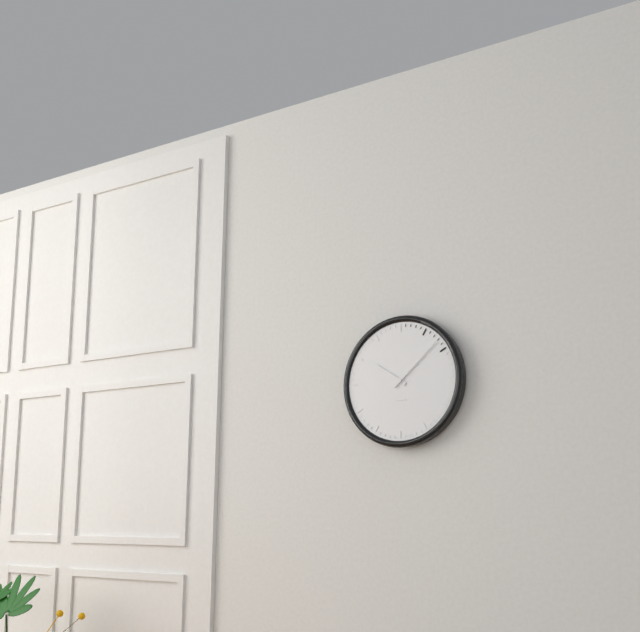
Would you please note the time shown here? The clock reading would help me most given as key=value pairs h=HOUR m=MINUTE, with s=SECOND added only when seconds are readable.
h=10 m=8
